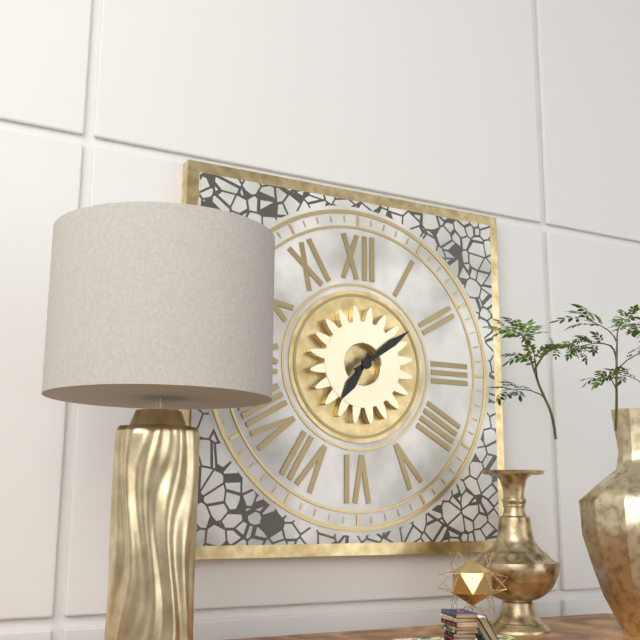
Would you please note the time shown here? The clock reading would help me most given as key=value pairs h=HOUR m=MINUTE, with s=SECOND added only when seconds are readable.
h=7 m=9
